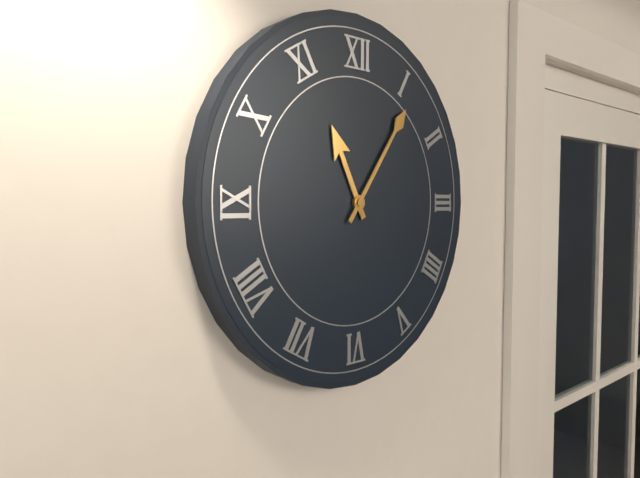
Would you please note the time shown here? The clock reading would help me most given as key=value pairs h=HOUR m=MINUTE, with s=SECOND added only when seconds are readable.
h=11 m=6
